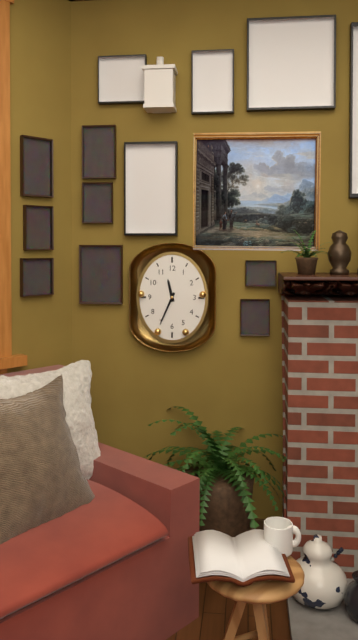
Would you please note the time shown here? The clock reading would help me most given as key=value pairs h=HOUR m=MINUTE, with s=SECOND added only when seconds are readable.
h=11 m=34
